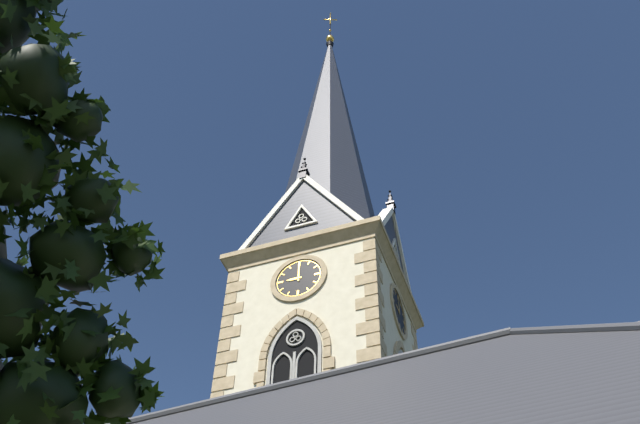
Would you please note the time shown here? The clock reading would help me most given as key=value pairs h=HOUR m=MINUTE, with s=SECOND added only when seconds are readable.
h=9 m=0
